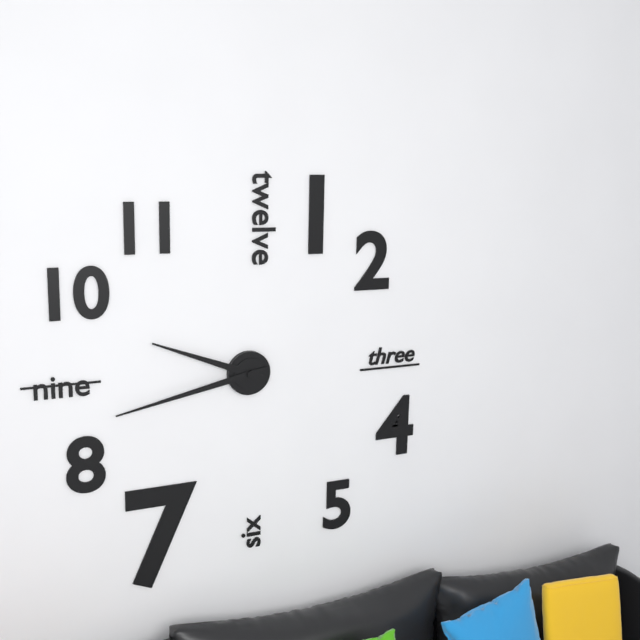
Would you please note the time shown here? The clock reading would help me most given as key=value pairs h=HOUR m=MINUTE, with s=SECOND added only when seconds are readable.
h=9 m=43
